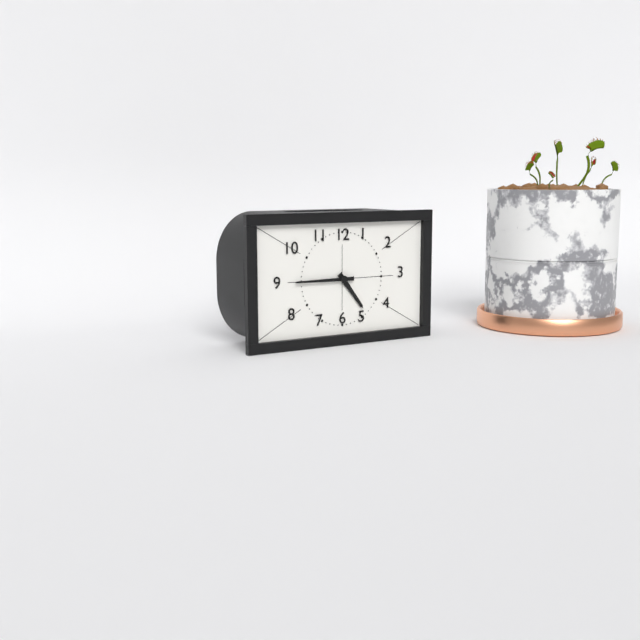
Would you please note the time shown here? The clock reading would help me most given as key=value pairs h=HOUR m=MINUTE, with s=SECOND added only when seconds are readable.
h=4 m=45
